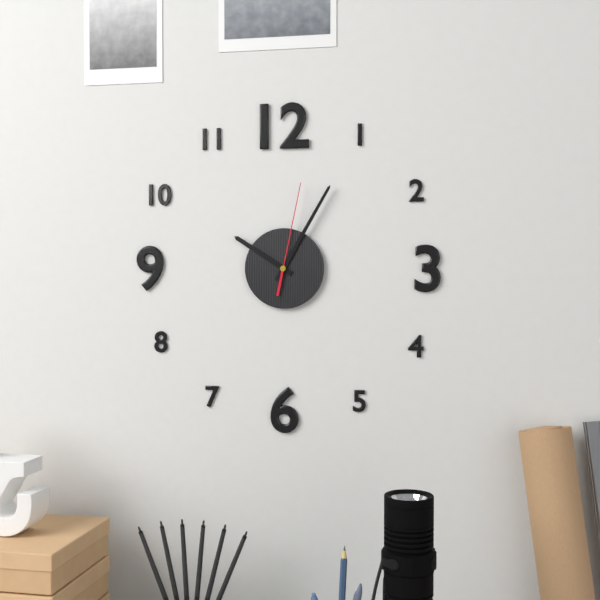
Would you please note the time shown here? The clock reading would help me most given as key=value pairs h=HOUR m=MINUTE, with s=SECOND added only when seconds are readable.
h=10 m=5 s=2
